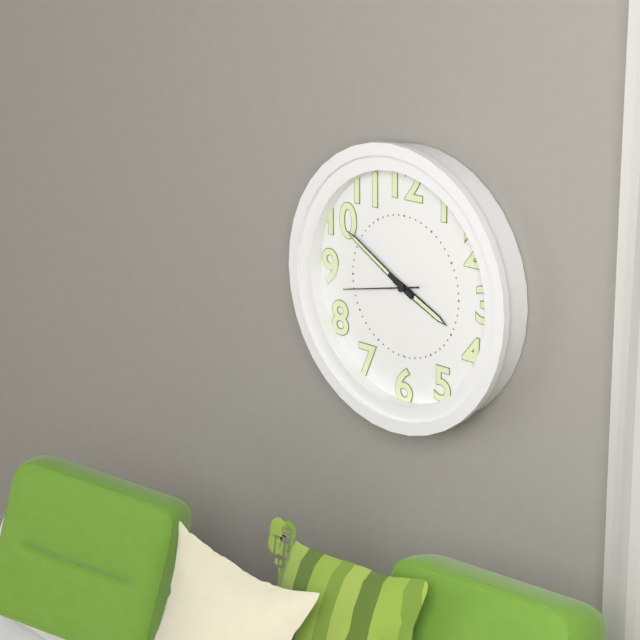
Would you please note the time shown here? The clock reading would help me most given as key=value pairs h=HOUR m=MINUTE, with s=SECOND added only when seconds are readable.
h=3 m=50 s=43
